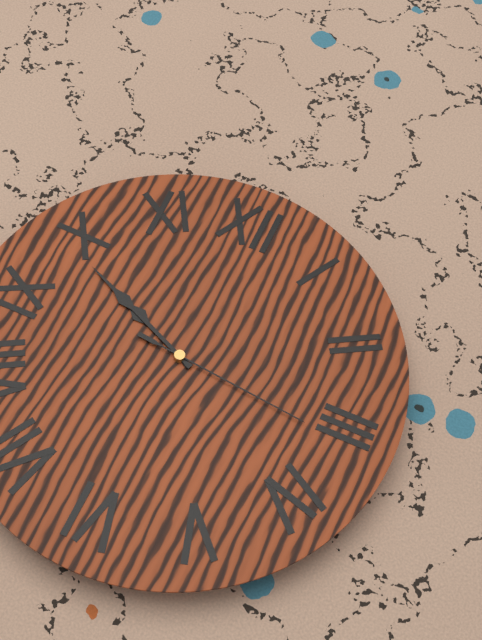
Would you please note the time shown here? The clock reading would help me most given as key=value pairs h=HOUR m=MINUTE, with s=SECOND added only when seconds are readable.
h=9 m=49 s=16
